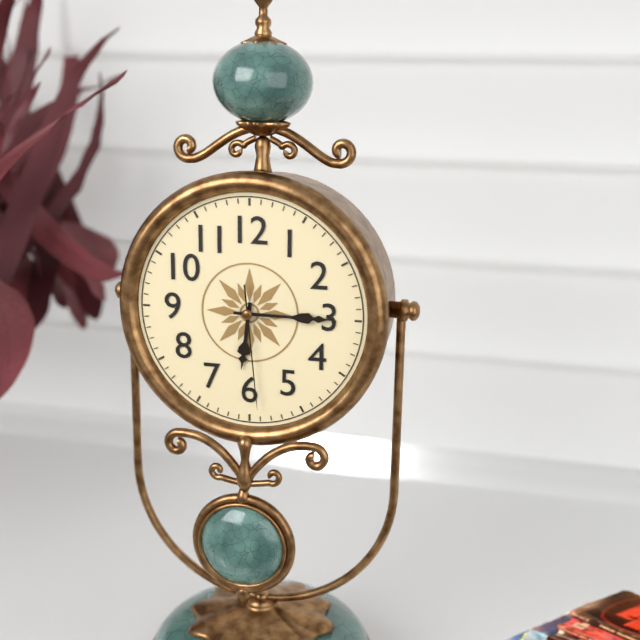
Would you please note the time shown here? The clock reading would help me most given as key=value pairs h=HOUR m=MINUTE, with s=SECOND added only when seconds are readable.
h=6 m=15 s=29
